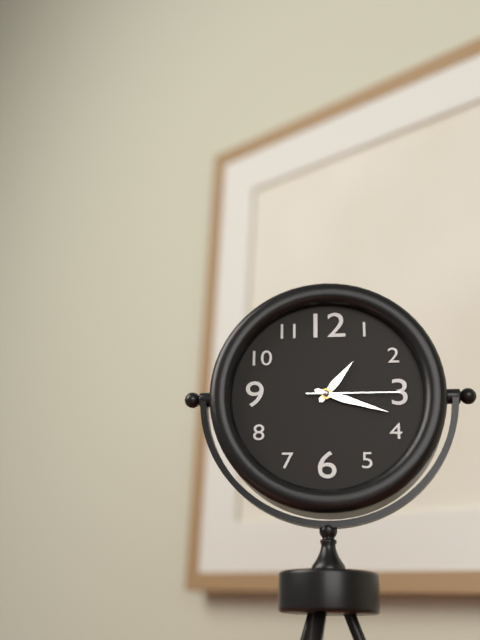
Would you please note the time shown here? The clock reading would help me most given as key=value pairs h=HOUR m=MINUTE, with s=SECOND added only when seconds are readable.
h=1 m=18 s=15
